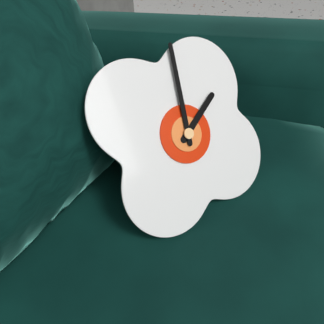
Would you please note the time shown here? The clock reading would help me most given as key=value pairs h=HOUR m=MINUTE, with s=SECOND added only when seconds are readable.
h=2 m=2
